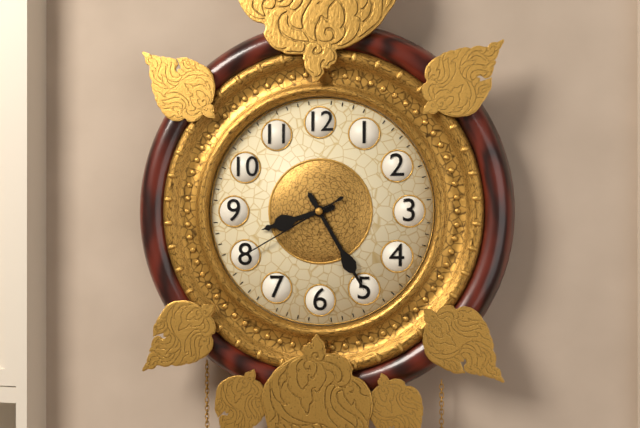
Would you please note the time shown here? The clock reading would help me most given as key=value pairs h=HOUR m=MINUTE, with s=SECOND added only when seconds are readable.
h=8 m=25 s=40
